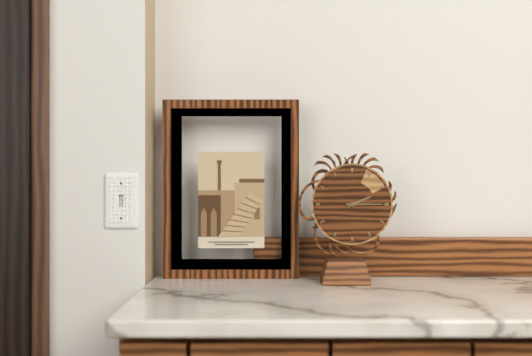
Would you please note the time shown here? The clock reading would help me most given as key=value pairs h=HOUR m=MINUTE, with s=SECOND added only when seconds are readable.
h=2 m=15
